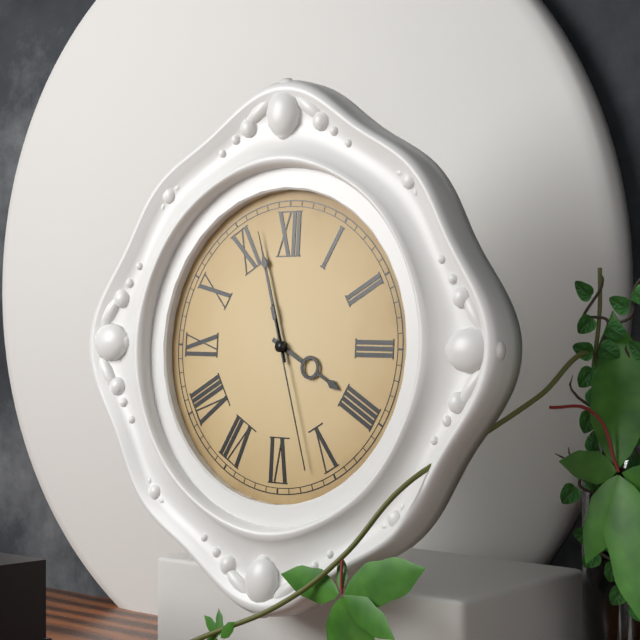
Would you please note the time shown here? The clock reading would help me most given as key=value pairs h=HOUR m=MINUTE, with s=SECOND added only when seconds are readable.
h=3 m=57 s=27
